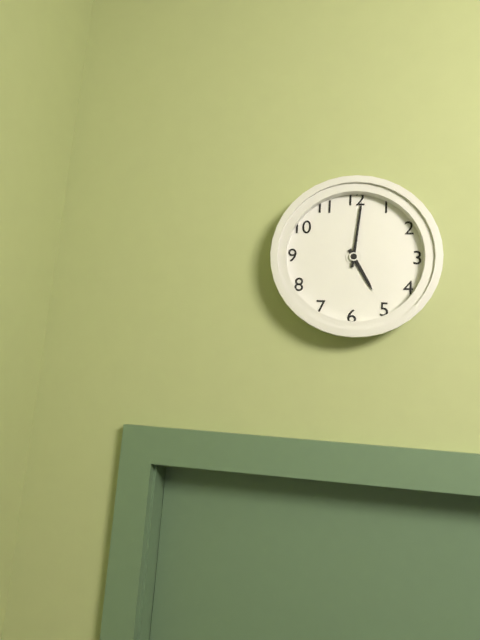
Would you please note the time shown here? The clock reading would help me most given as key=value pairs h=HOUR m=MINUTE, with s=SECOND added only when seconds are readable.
h=5 m=1
